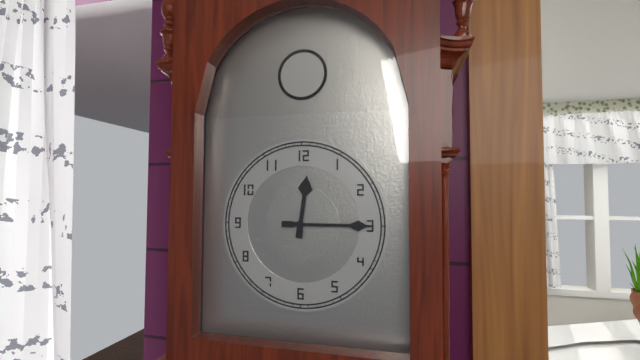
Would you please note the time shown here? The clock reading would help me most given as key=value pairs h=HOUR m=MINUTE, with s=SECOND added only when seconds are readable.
h=12 m=15
